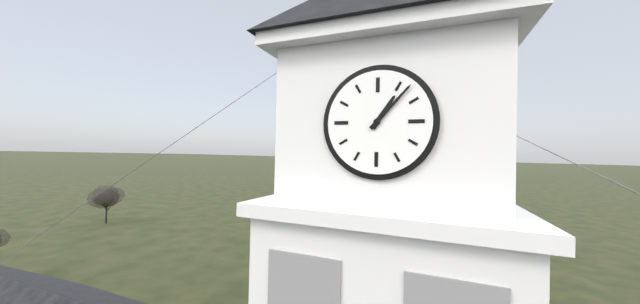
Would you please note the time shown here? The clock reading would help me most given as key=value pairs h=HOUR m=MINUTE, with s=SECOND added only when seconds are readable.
h=1 m=7
